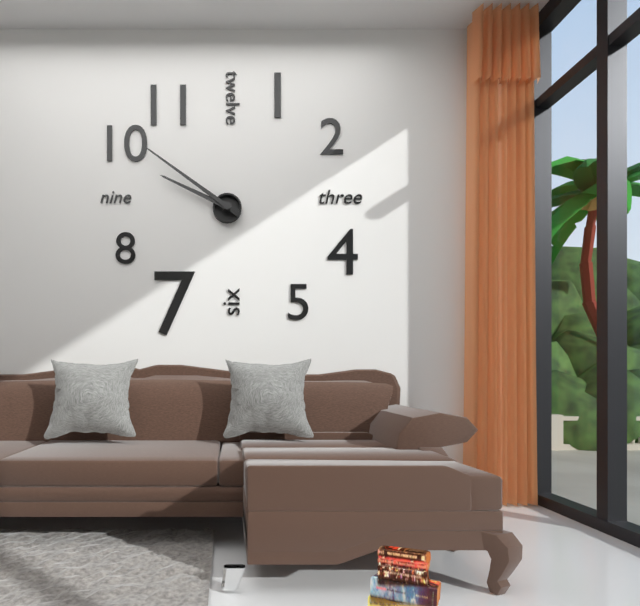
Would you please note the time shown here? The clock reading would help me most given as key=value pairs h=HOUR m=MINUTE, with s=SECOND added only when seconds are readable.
h=9 m=51
